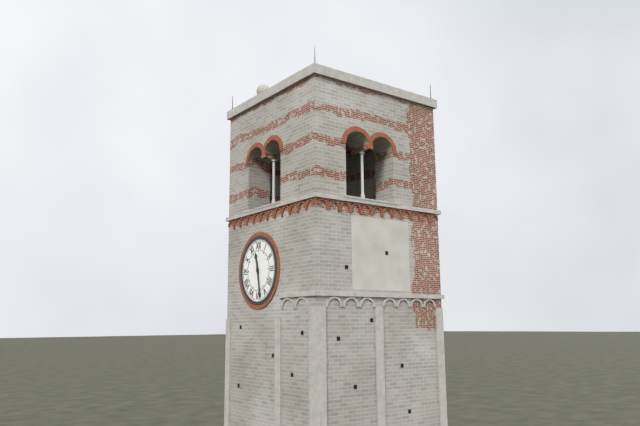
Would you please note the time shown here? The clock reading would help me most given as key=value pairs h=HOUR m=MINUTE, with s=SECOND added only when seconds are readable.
h=11 m=28
